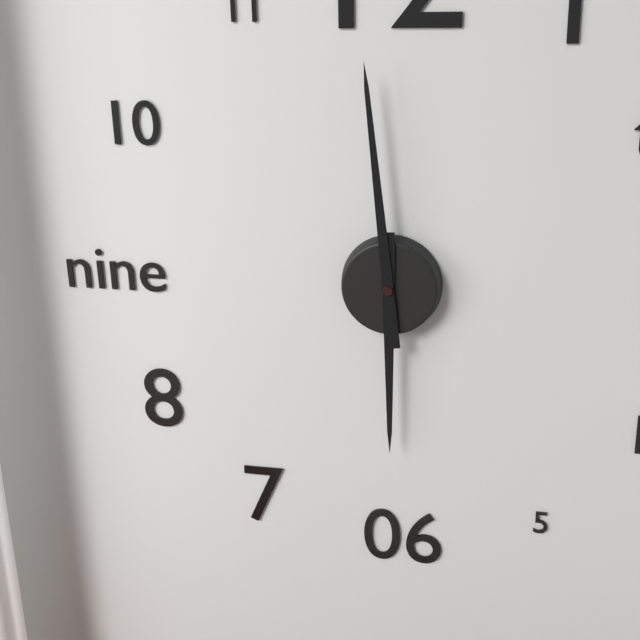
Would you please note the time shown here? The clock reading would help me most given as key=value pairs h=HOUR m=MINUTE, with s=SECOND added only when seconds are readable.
h=5 m=59
